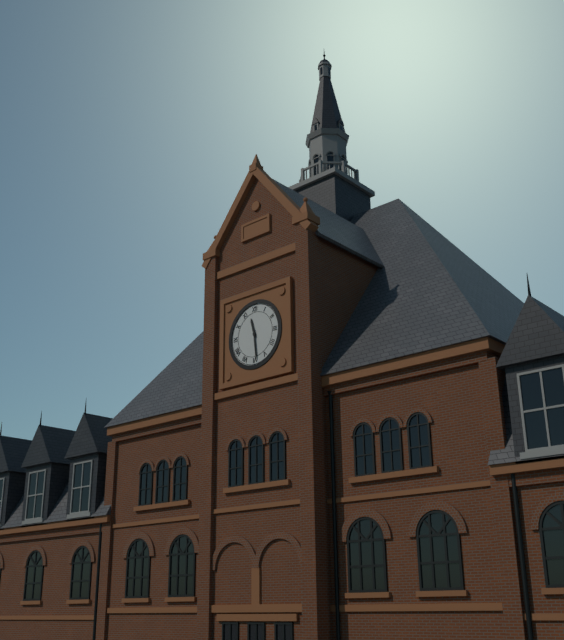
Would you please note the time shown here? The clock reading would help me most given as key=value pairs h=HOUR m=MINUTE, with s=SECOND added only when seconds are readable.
h=11 m=29
